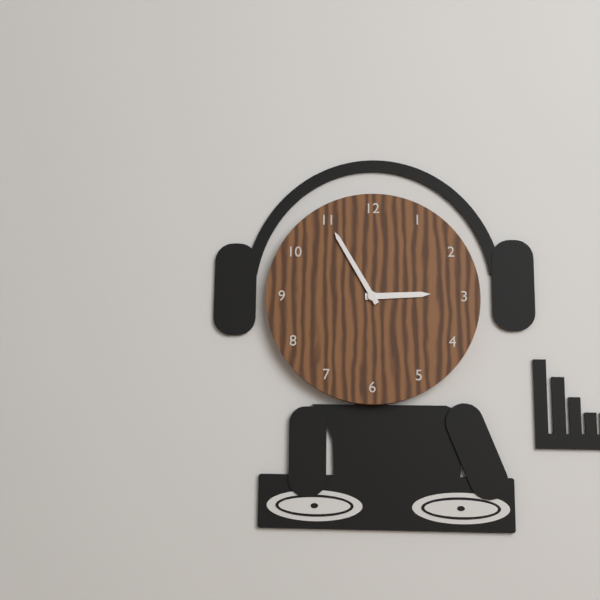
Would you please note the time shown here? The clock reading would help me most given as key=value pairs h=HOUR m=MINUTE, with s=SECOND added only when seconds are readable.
h=2 m=55
